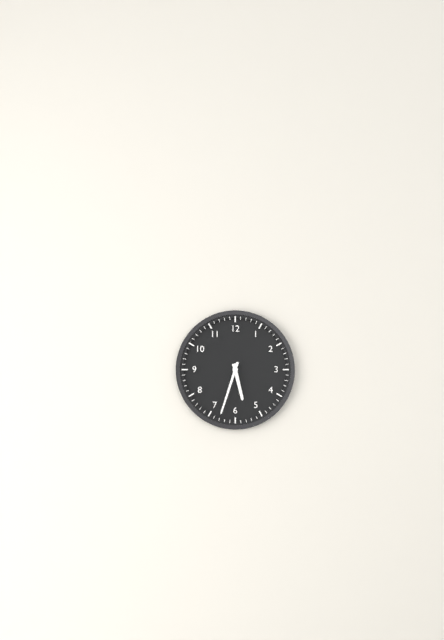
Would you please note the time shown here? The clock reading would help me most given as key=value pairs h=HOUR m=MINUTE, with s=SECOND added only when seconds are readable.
h=5 m=33
